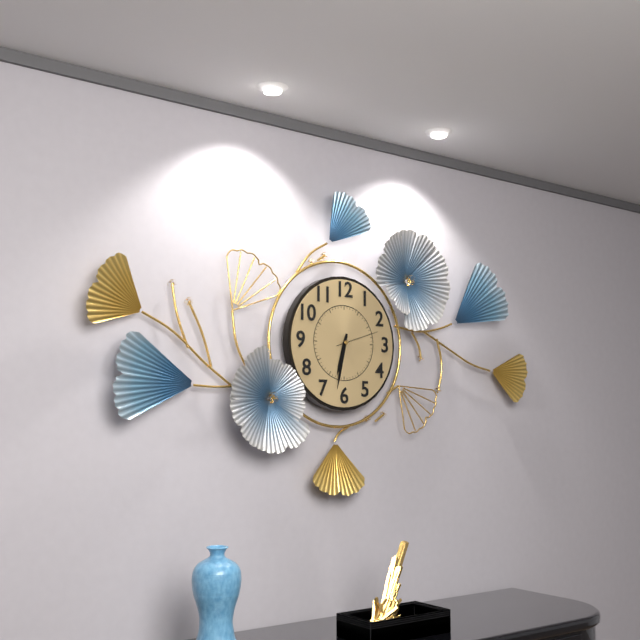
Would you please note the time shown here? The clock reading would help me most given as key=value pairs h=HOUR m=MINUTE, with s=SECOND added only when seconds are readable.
h=6 m=32
